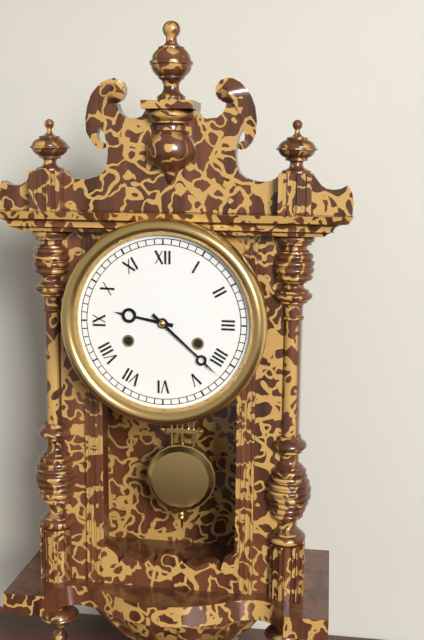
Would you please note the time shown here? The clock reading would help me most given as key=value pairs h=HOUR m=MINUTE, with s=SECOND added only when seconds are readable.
h=9 m=22
